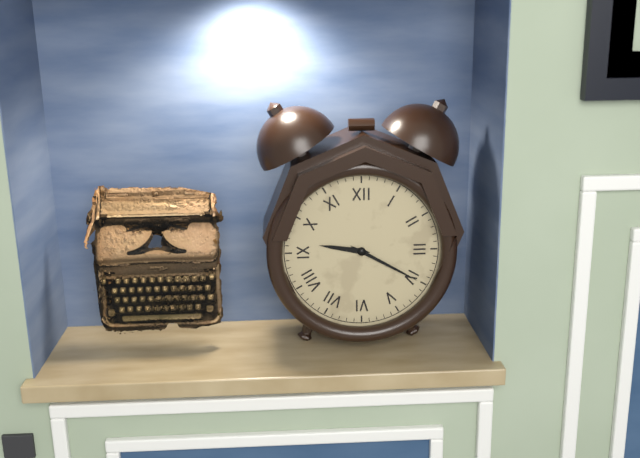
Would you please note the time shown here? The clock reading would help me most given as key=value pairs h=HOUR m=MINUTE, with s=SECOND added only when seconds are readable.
h=9 m=20
